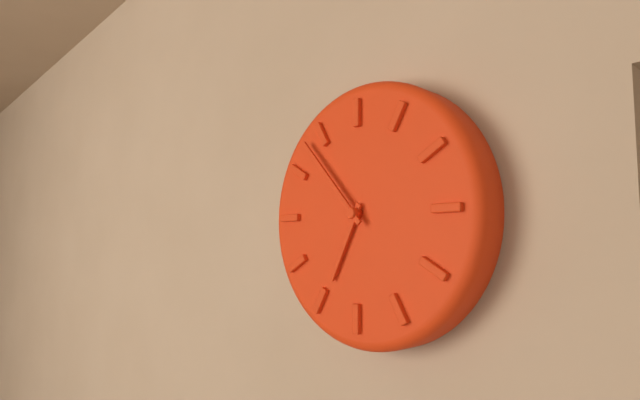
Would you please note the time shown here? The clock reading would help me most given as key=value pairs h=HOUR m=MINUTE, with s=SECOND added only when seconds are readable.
h=6 m=53
